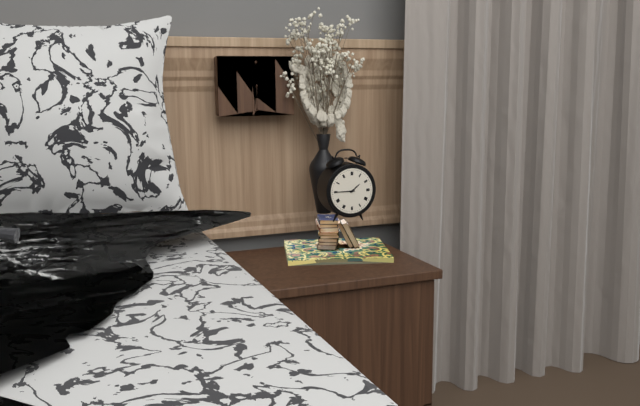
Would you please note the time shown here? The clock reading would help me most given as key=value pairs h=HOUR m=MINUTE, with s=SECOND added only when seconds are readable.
h=1 m=45
